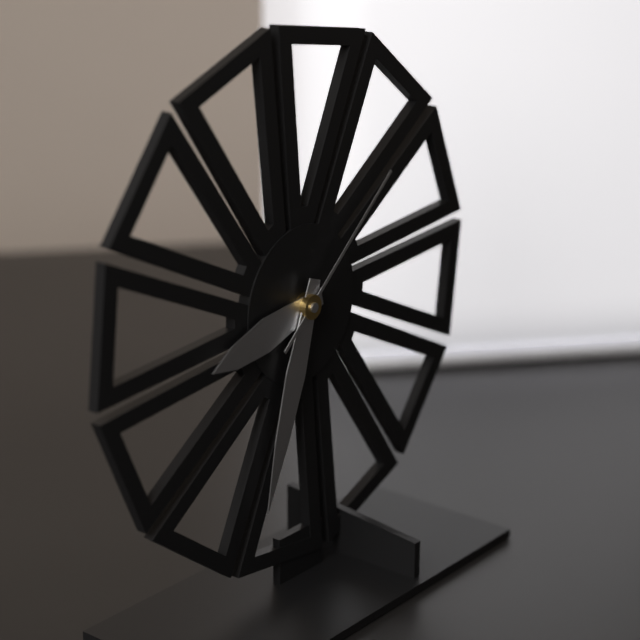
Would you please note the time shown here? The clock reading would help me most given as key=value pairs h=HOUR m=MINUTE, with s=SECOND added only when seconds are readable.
h=8 m=33 s=8
